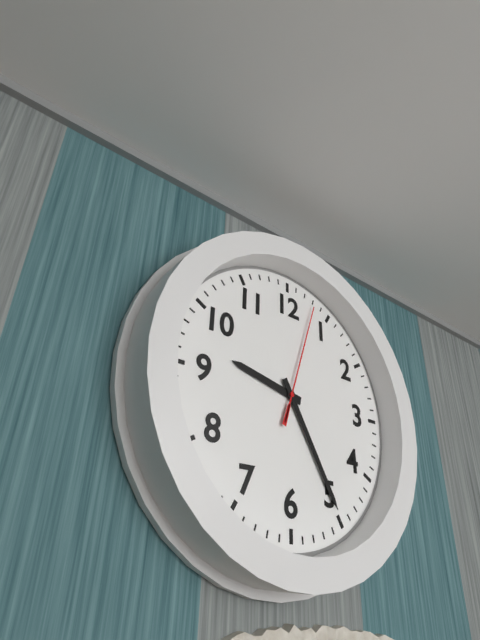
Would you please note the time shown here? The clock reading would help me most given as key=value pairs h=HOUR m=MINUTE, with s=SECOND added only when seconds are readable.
h=9 m=25 s=3
